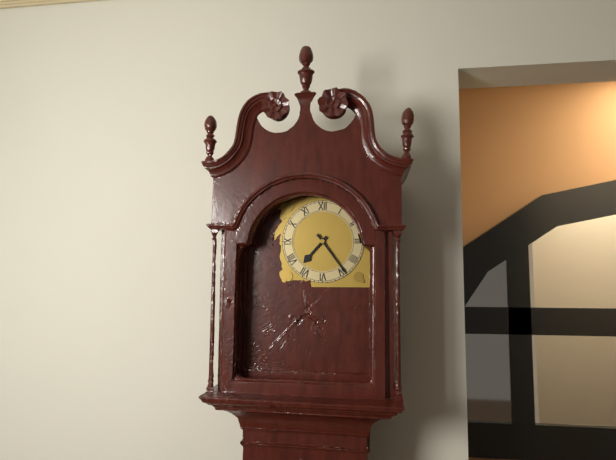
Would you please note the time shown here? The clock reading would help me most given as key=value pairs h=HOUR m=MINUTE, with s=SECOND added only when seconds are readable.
h=7 m=24
